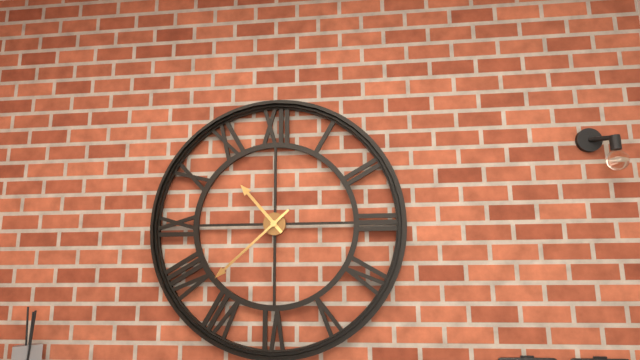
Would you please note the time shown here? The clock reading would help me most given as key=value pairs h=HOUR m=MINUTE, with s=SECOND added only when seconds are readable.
h=10 m=38
